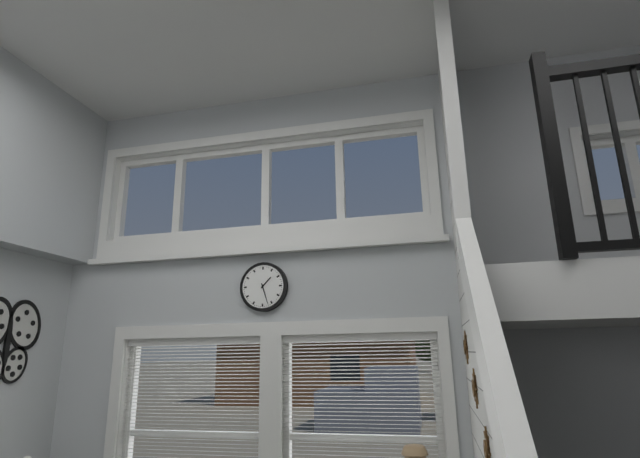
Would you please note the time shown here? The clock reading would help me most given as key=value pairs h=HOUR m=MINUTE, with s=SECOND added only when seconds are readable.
h=1 m=27
